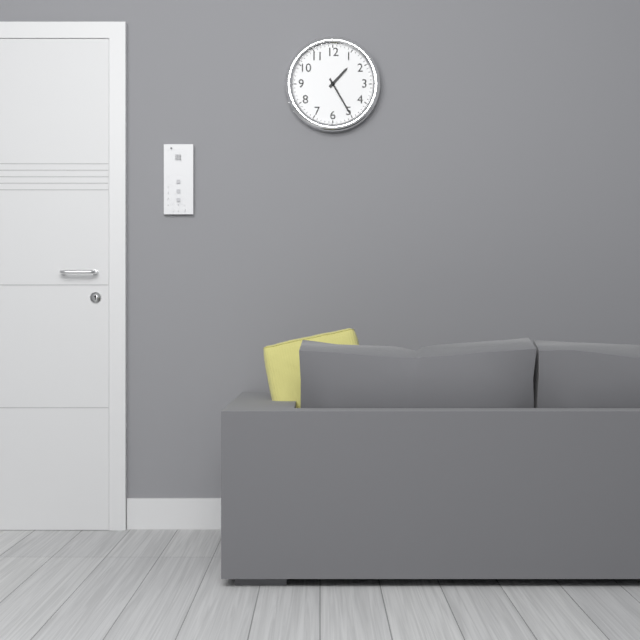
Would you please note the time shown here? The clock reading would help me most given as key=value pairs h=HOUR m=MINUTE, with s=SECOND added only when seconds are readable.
h=1 m=25
